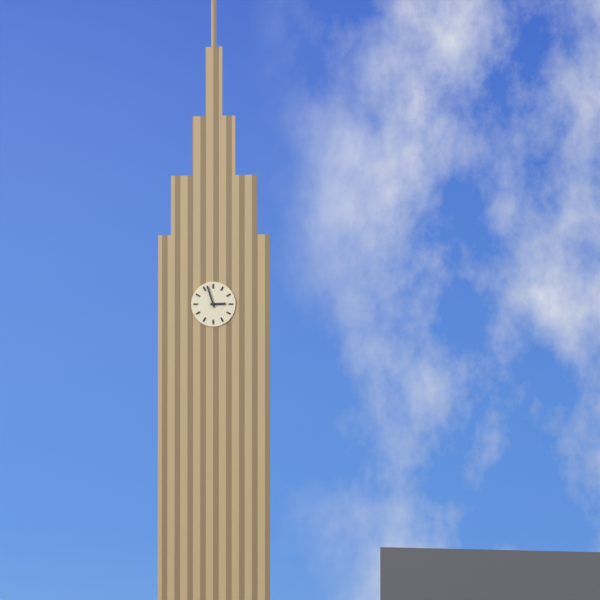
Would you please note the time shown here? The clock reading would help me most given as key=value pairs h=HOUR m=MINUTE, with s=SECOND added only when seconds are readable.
h=2 m=57
